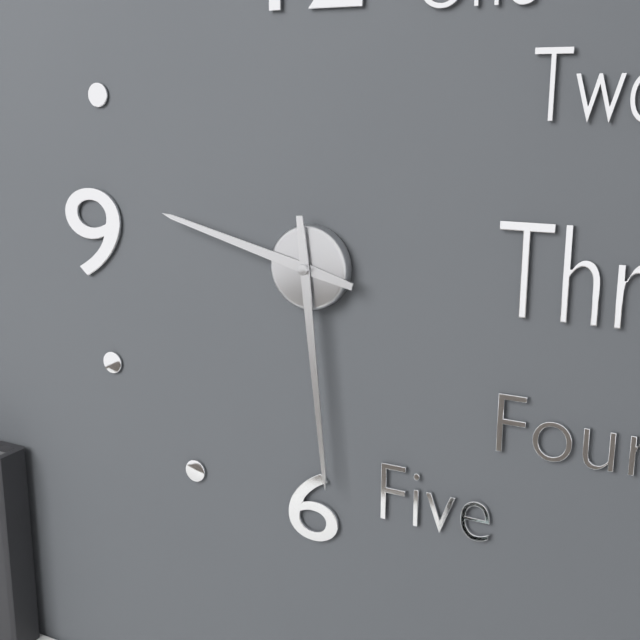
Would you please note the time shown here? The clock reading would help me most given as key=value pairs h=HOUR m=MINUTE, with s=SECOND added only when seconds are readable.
h=9 m=29
